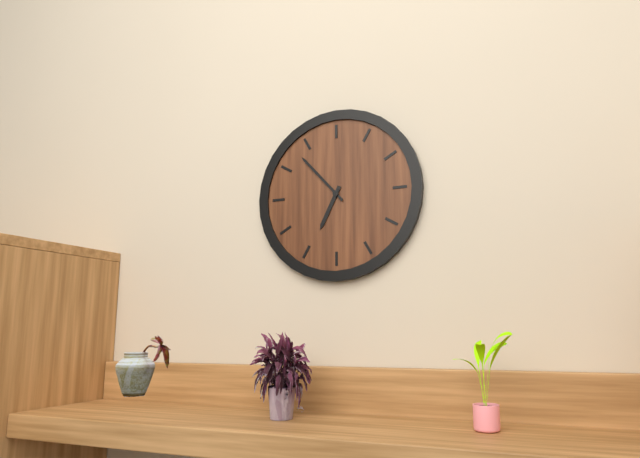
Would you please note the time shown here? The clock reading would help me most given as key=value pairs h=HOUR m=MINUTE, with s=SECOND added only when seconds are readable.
h=6 m=53
